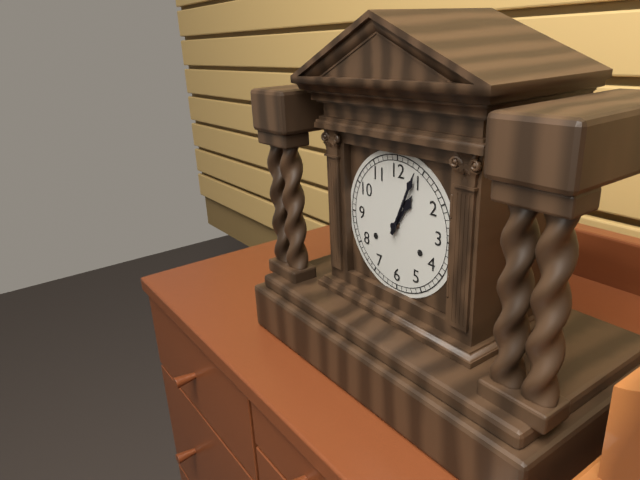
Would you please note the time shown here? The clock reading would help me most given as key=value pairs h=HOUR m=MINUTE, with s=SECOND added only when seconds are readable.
h=1 m=4
